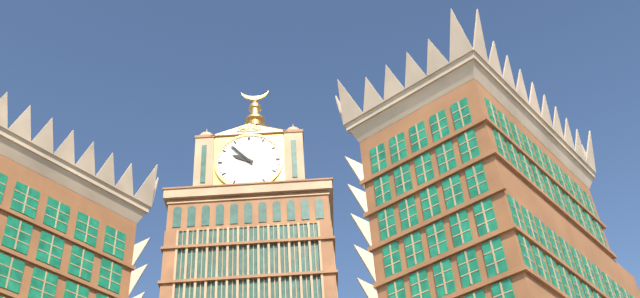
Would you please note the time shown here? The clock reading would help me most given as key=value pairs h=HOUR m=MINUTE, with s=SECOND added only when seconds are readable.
h=9 m=53
